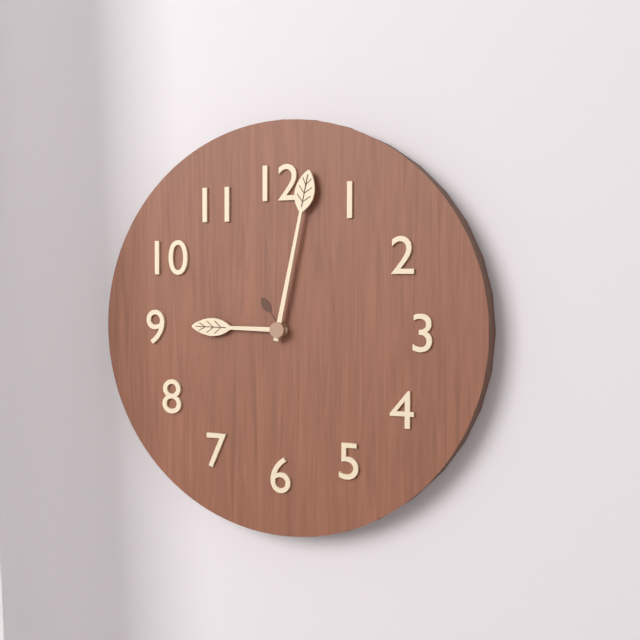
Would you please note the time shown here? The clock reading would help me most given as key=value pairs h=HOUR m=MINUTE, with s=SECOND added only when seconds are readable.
h=9 m=2
